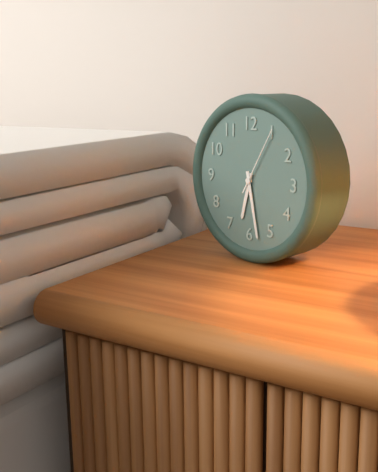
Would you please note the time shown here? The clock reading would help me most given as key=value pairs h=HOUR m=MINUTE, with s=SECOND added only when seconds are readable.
h=6 m=28 s=5
